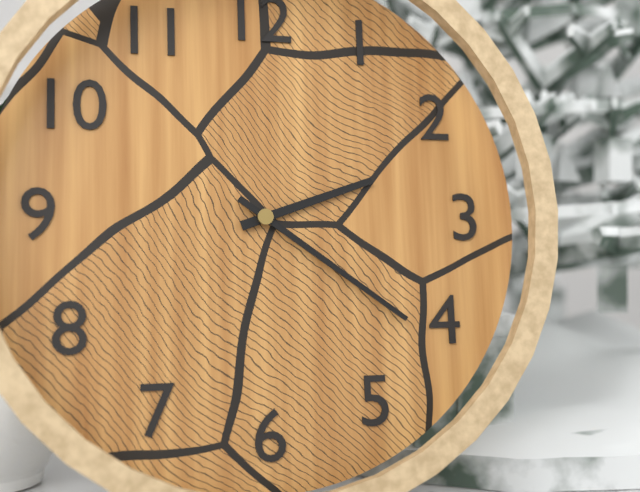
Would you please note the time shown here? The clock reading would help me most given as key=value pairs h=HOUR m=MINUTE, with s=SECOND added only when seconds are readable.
h=2 m=21
